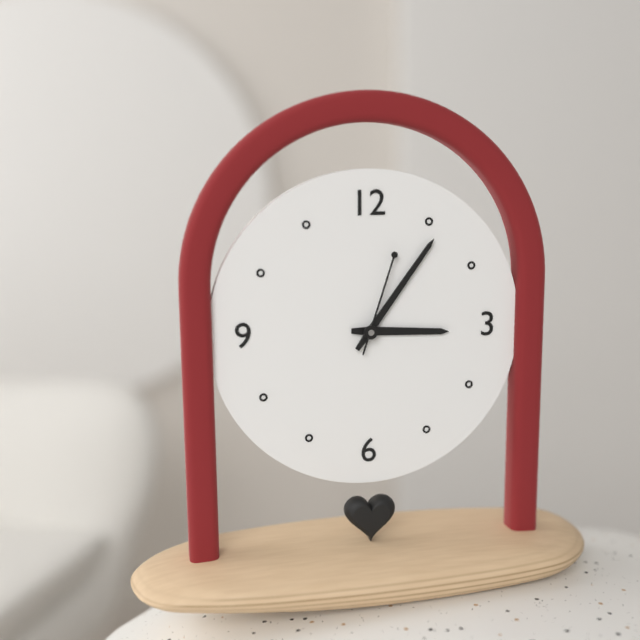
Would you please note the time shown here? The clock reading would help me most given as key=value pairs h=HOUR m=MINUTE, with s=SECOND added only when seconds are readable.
h=3 m=6 s=3
